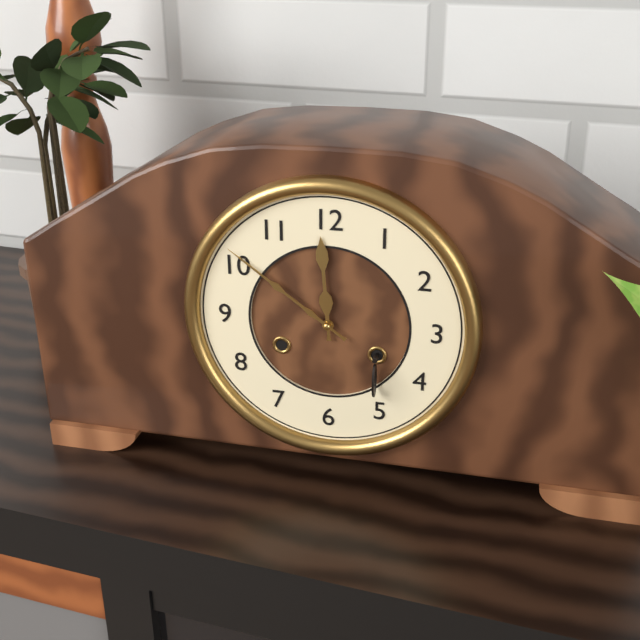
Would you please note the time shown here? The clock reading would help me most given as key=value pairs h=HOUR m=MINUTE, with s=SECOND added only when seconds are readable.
h=11 m=51
